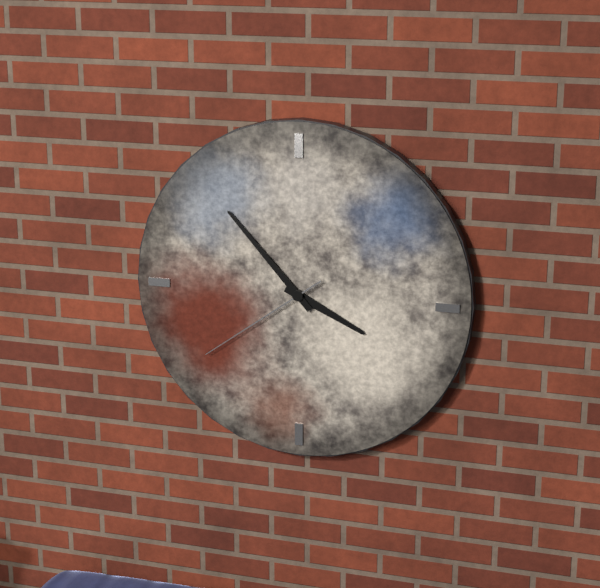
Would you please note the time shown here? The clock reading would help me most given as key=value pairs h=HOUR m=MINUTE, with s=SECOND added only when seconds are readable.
h=3 m=53 s=39
